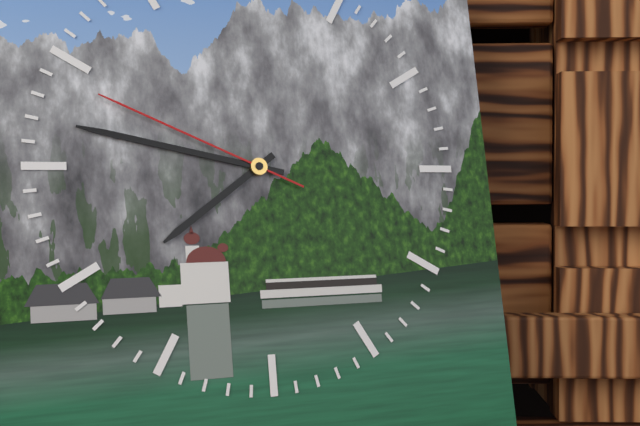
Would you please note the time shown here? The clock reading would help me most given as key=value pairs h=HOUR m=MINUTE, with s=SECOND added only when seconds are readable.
h=7 m=47 s=49
